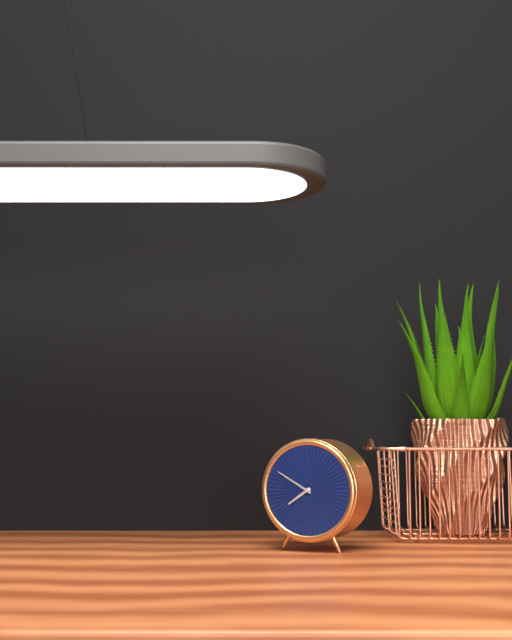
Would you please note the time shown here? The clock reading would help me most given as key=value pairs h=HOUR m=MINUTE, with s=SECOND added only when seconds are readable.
h=7 m=50
